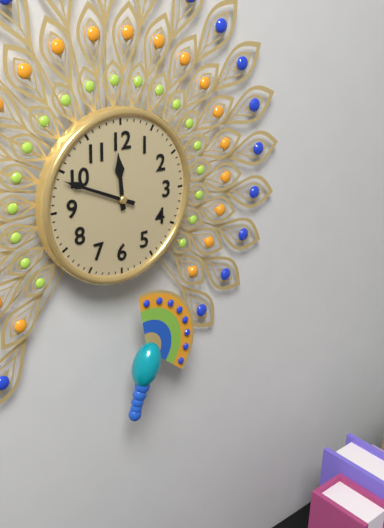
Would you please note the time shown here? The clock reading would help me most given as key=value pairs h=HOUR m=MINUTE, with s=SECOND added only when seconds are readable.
h=11 m=49
